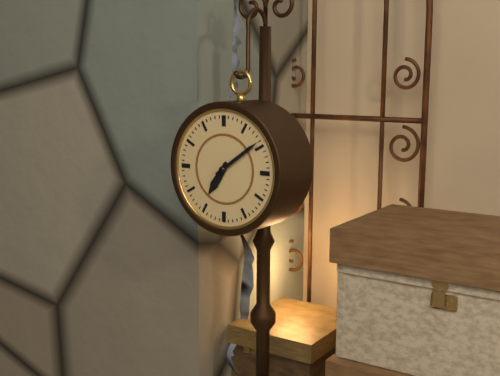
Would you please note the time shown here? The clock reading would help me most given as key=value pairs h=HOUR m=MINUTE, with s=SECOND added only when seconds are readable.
h=7 m=9
